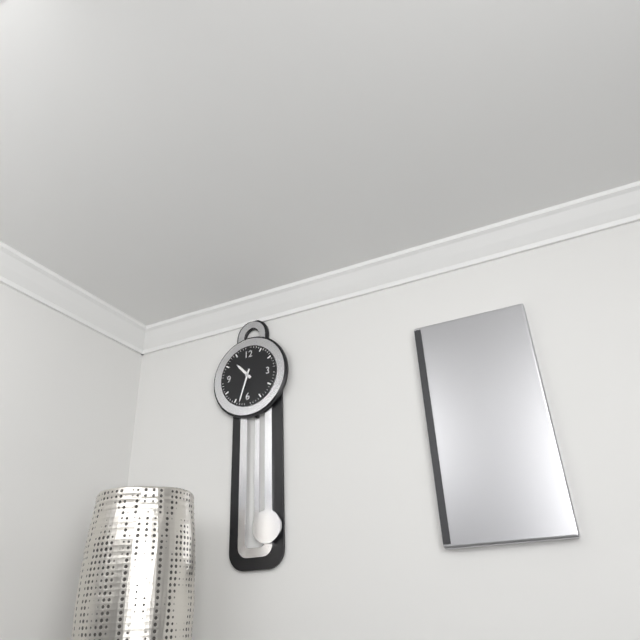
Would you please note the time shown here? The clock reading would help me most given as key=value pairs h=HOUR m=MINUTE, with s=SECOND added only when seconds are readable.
h=10 m=33
